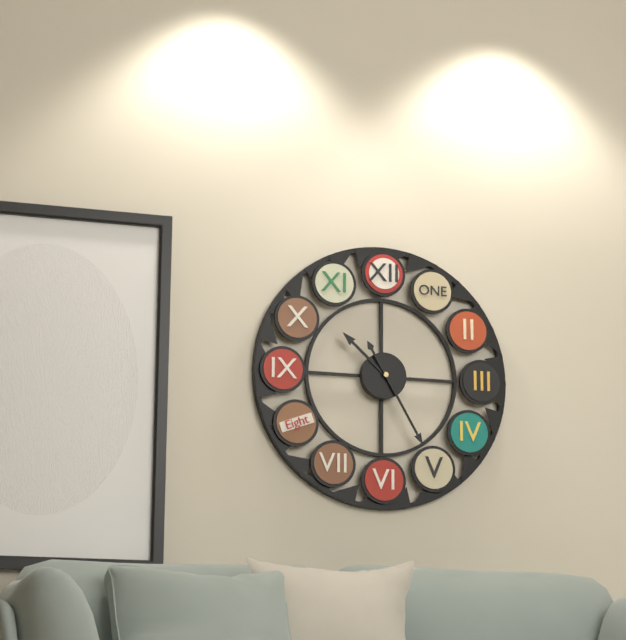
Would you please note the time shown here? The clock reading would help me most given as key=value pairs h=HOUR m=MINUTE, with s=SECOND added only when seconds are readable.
h=10 m=25
